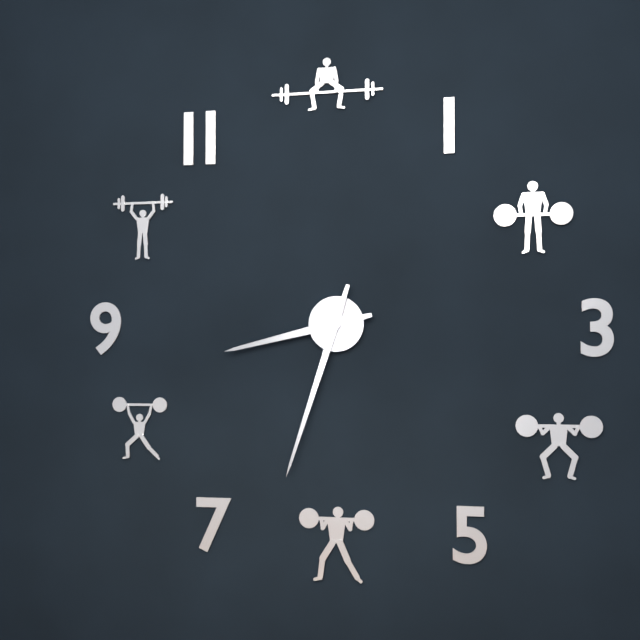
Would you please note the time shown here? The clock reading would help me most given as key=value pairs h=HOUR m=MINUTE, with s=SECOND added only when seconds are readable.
h=8 m=33
